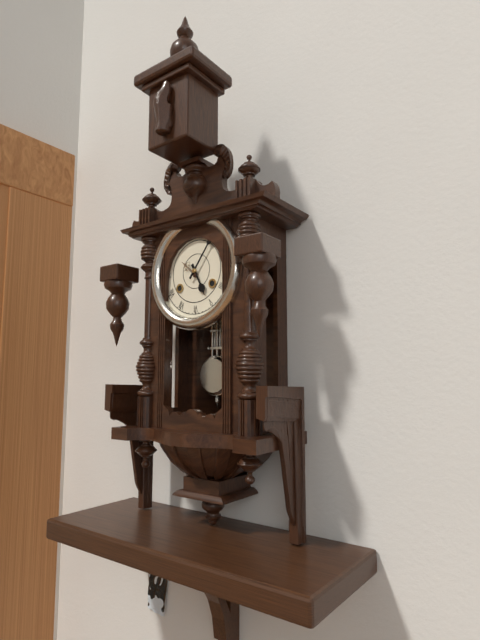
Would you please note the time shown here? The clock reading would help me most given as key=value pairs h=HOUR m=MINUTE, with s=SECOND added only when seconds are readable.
h=5 m=6
